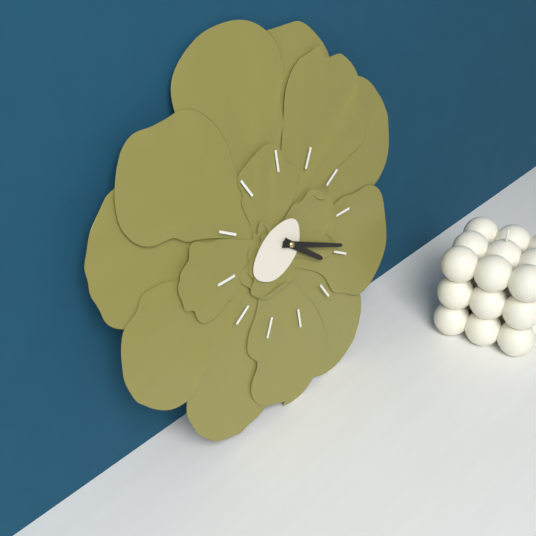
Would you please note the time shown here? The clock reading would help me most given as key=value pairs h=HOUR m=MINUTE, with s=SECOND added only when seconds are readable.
h=4 m=19
